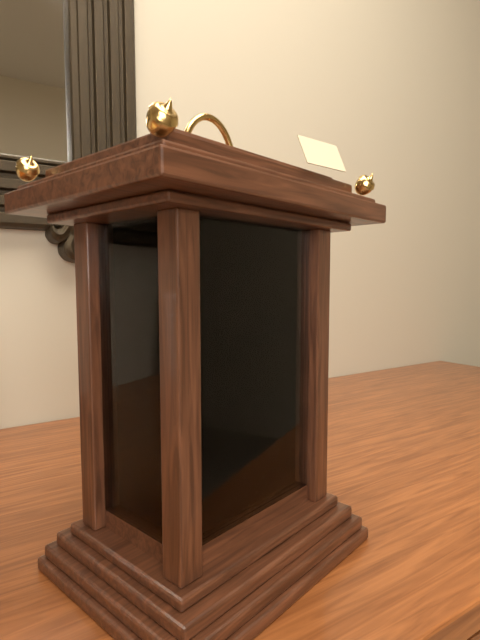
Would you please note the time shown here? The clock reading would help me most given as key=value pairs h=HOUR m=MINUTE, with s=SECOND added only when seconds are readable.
h=8 m=33
